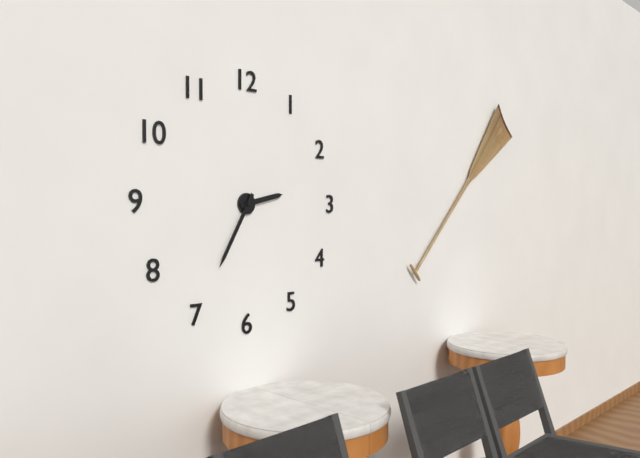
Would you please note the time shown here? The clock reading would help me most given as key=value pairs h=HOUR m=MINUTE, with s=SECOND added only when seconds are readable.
h=2 m=35
